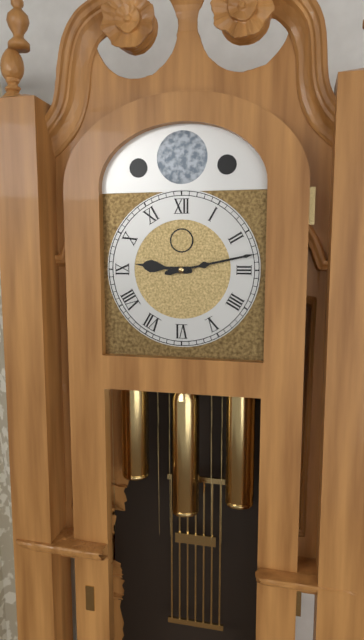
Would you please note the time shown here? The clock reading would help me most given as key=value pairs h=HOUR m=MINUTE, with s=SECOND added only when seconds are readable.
h=9 m=13
